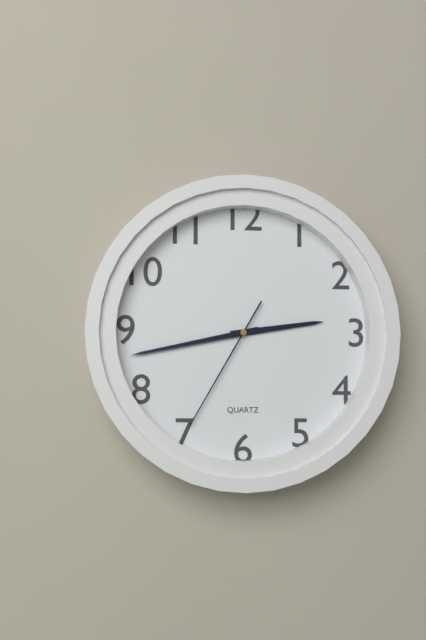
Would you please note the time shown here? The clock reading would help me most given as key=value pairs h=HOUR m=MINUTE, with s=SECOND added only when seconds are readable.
h=2 m=43 s=35
